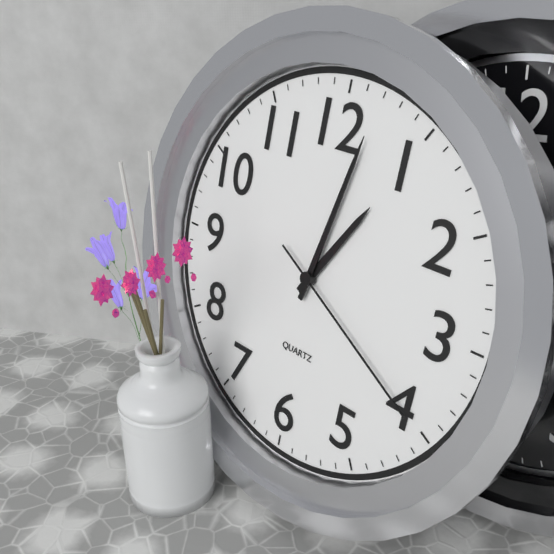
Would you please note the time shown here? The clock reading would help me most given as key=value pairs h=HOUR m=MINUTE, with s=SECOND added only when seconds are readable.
h=1 m=2 s=20
